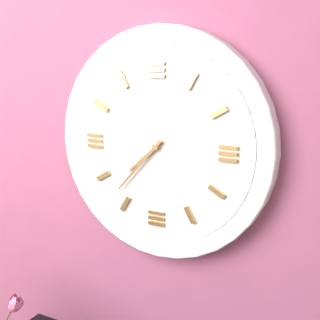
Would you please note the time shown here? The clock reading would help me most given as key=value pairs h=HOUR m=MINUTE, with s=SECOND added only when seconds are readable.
h=7 m=37
